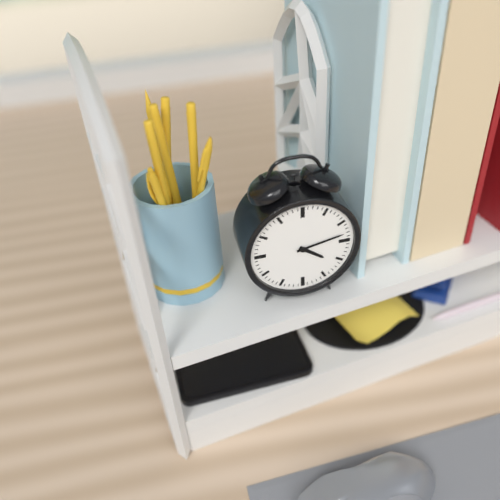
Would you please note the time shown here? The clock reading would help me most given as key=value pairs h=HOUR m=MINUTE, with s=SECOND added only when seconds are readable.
h=4 m=13
